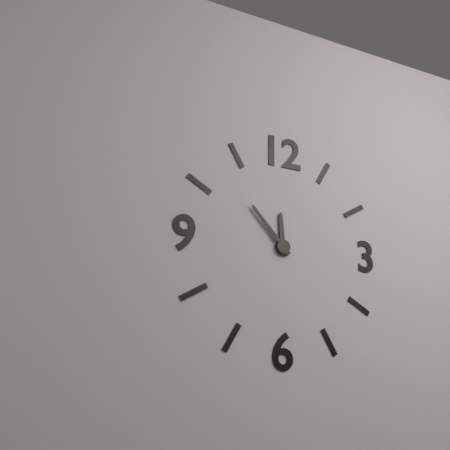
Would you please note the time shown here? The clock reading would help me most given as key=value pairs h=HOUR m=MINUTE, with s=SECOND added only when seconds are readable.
h=11 m=53
